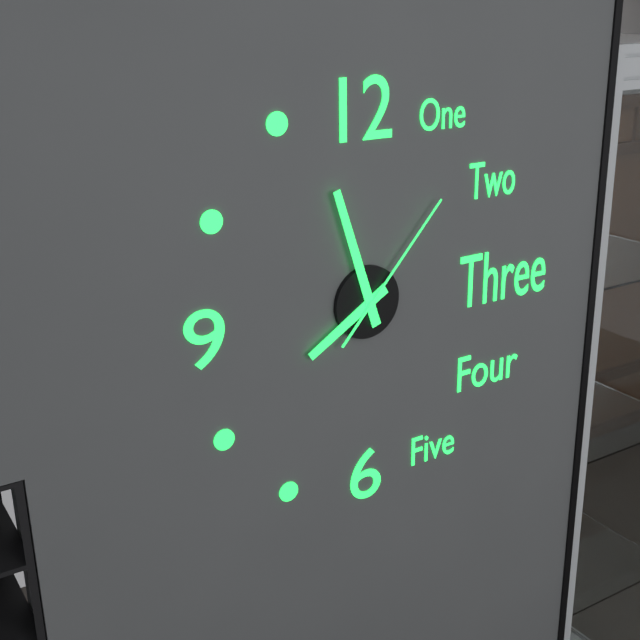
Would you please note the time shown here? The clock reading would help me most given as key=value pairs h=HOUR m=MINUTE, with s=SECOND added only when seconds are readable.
h=7 m=57 s=7
